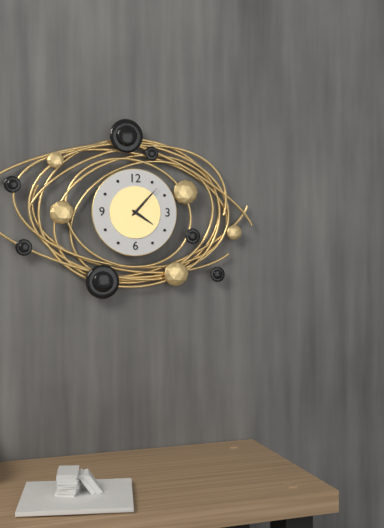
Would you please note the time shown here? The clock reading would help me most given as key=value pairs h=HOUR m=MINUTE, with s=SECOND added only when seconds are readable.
h=4 m=7
